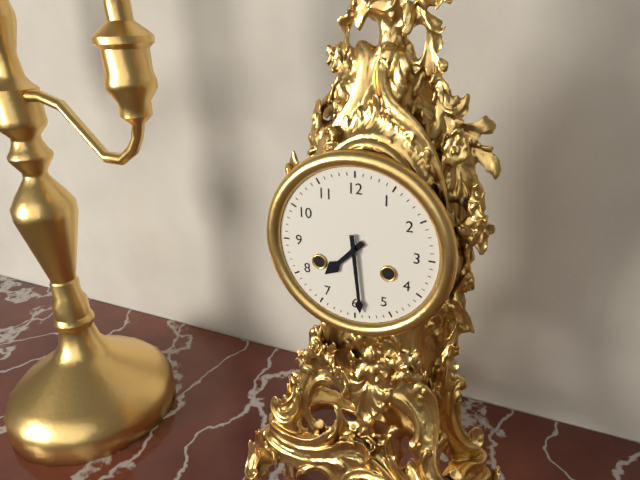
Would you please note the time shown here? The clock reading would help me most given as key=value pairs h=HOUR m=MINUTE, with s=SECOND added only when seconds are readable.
h=7 m=29
